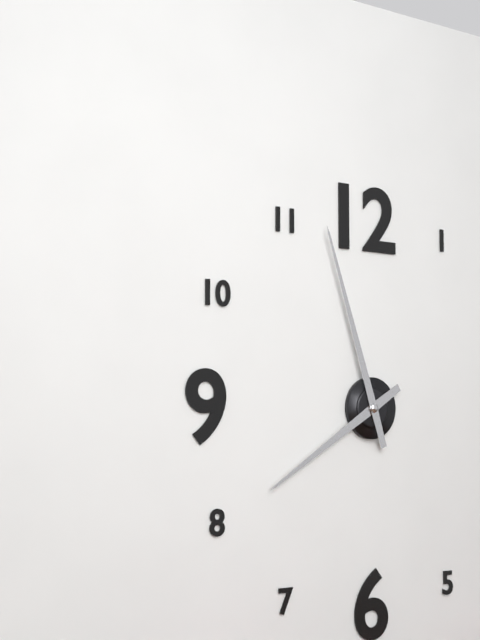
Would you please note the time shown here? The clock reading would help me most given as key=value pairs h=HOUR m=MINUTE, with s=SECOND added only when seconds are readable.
h=7 m=57
